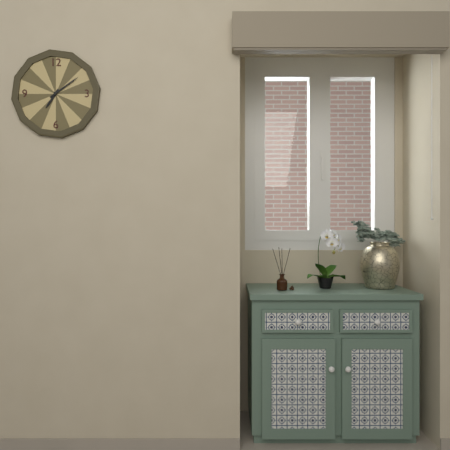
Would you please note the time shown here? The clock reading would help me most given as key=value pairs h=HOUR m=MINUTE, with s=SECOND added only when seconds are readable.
h=7 m=9
